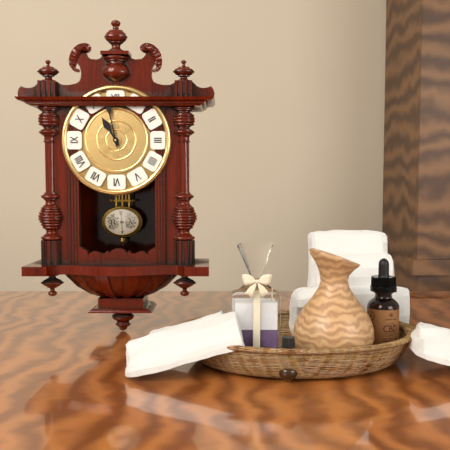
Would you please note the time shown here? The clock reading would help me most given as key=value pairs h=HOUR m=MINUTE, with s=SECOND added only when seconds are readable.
h=10 m=58
